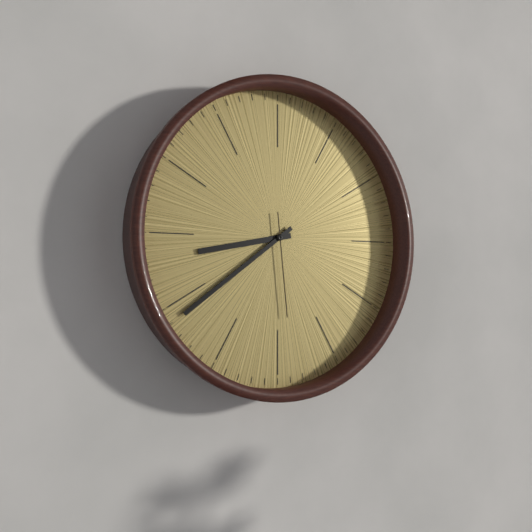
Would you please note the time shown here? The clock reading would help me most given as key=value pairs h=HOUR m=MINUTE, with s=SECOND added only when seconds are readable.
h=8 m=39 s=29
